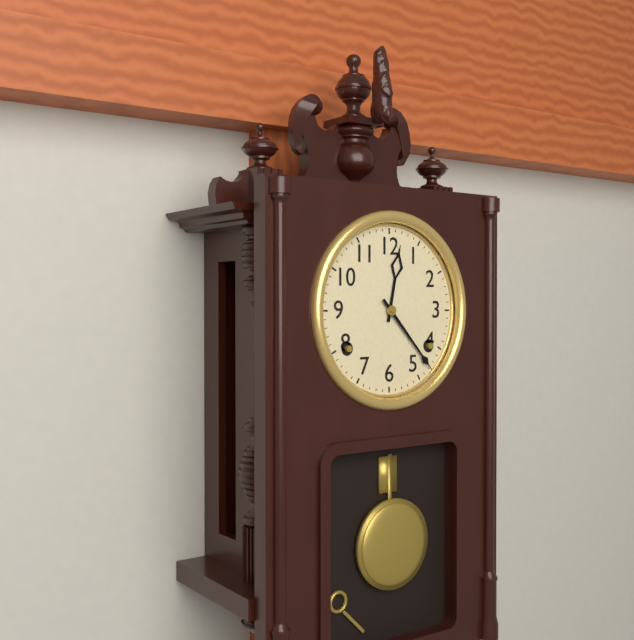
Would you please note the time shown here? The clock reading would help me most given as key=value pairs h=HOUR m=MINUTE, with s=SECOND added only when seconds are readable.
h=12 m=23
